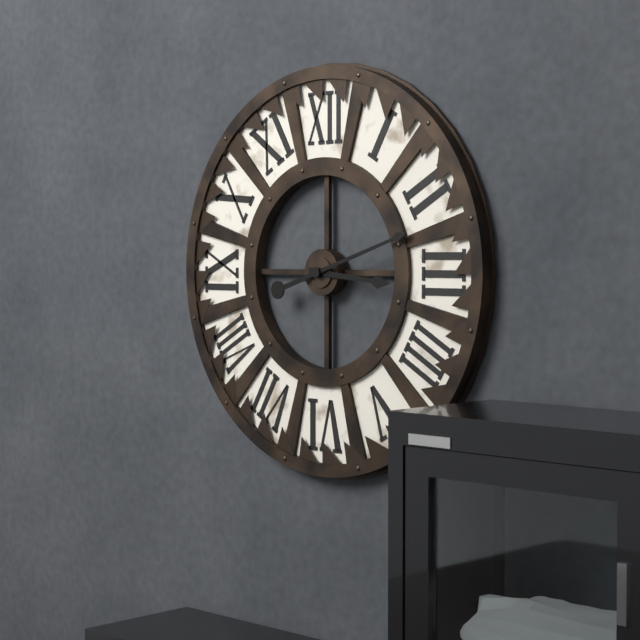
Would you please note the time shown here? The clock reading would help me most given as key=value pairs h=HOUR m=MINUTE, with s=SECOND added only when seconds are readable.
h=3 m=12
